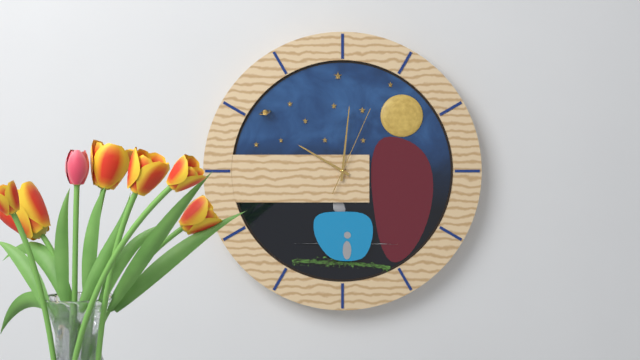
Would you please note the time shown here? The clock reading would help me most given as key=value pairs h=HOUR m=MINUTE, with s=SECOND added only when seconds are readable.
h=10 m=1 s=4
